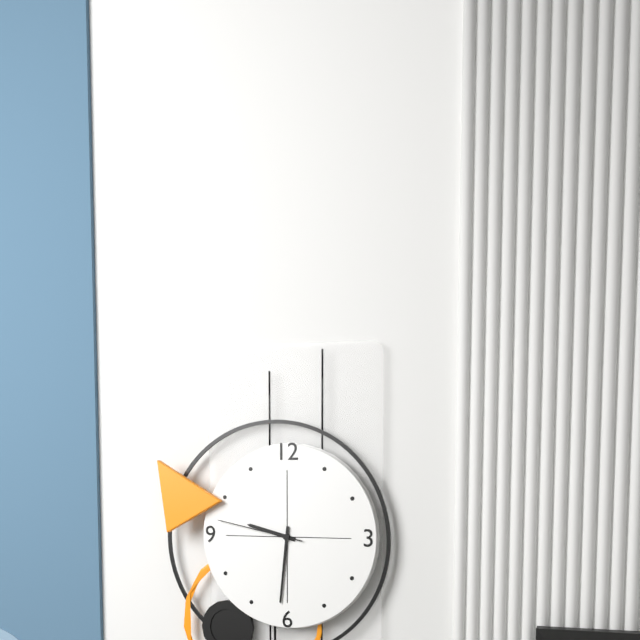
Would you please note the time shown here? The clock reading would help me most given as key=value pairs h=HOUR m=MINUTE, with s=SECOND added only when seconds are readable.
h=9 m=31 s=47
